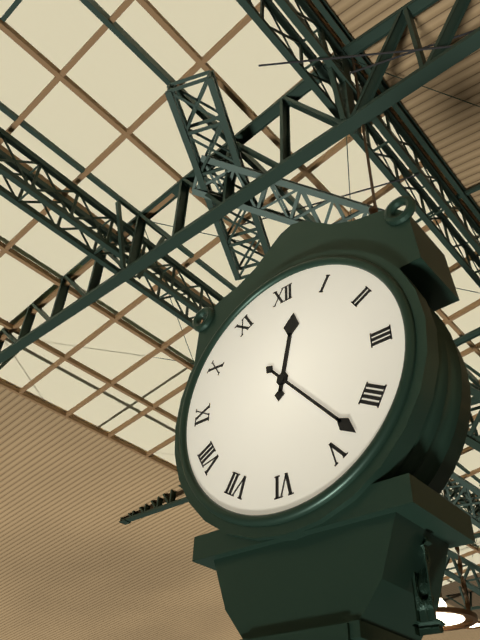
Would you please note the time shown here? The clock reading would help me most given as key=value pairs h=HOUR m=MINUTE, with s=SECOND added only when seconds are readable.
h=12 m=23
